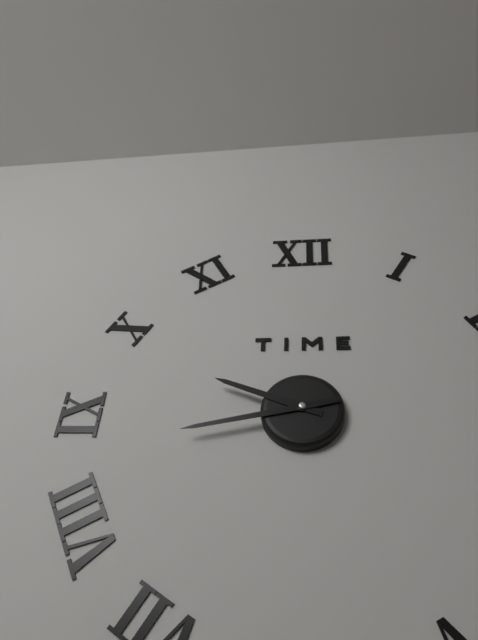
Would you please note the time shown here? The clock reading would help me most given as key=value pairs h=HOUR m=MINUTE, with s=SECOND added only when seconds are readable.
h=9 m=43
